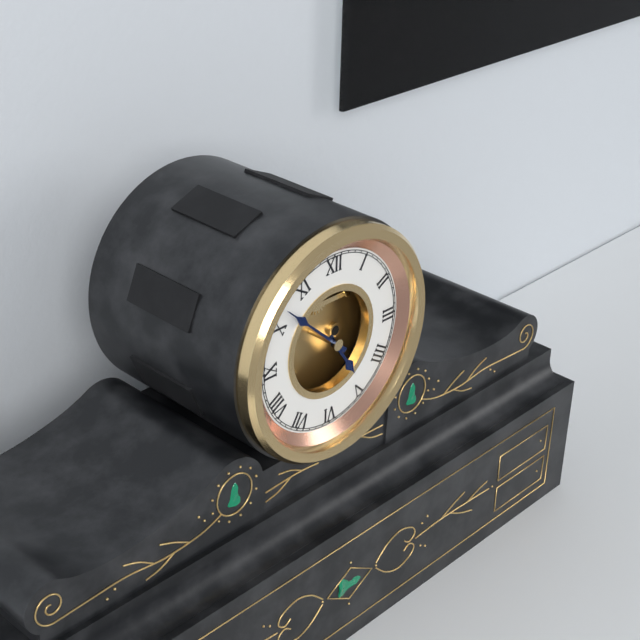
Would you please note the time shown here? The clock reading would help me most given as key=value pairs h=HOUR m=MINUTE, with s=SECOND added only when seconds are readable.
h=4 m=52
